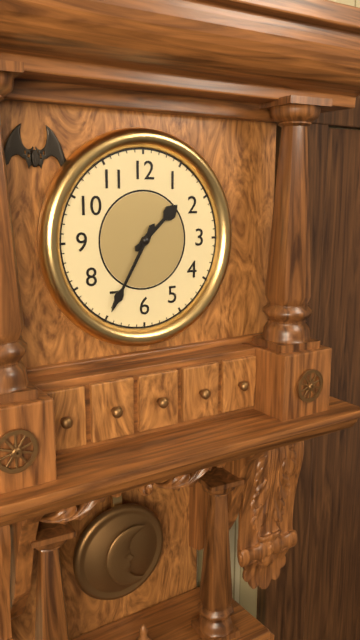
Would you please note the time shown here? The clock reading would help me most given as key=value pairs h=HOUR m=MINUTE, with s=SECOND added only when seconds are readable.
h=1 m=35
